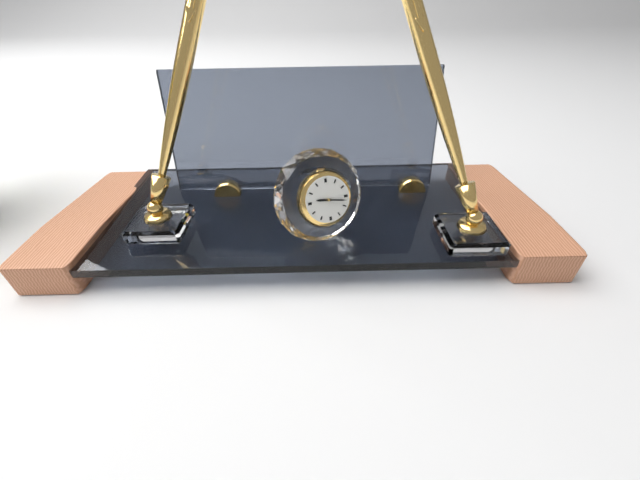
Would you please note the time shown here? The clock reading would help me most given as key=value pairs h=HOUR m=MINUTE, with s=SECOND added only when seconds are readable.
h=9 m=17
